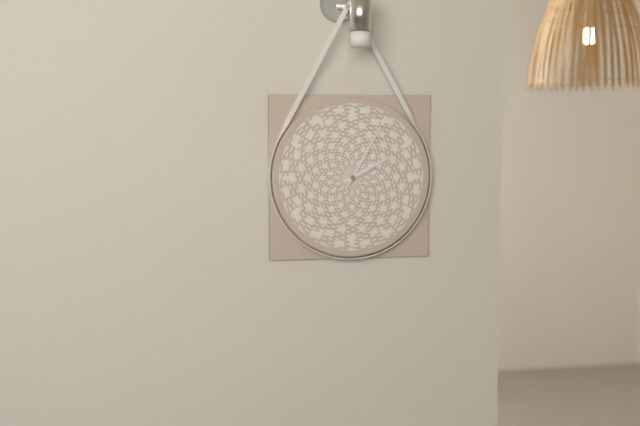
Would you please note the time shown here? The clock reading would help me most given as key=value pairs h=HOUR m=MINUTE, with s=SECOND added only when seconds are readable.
h=2 m=5
